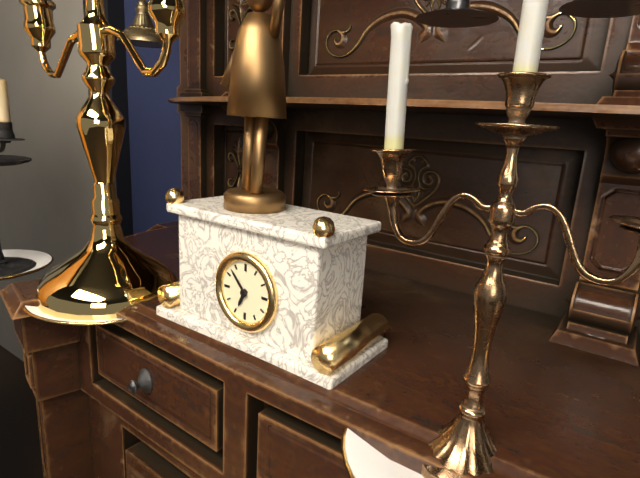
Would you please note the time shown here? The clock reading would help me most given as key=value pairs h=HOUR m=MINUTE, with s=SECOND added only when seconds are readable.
h=6 m=53
